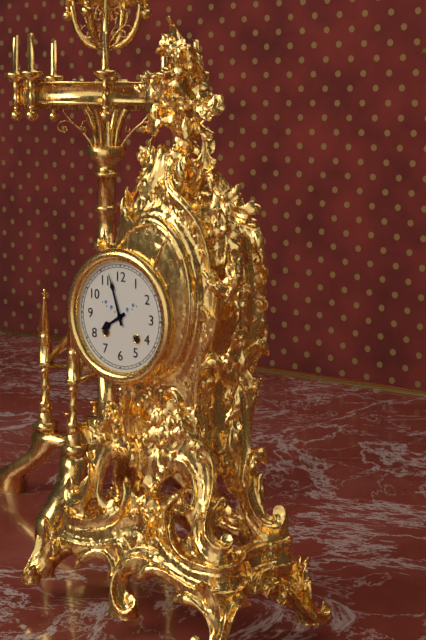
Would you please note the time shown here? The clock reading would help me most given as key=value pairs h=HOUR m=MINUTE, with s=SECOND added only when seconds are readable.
h=7 m=57
